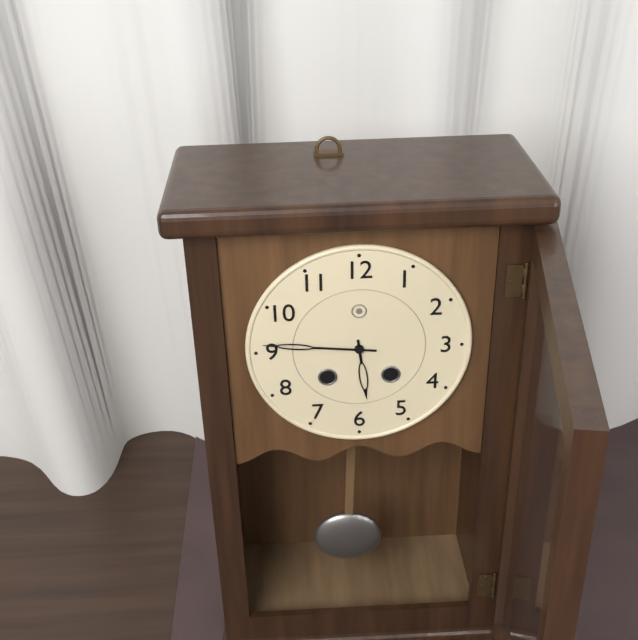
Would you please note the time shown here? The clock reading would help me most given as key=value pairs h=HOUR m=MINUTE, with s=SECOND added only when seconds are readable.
h=5 m=46
